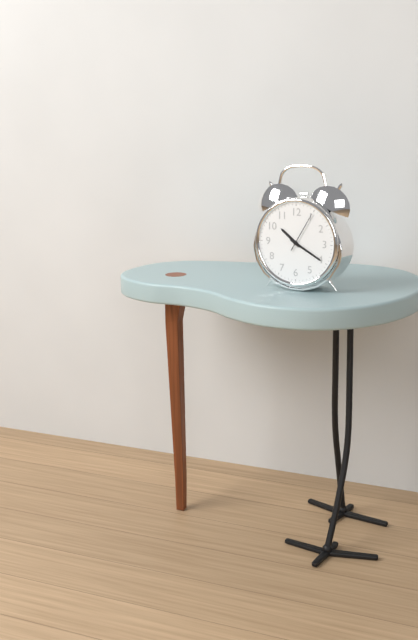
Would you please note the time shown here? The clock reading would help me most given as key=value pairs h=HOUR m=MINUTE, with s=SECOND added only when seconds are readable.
h=10 m=20
